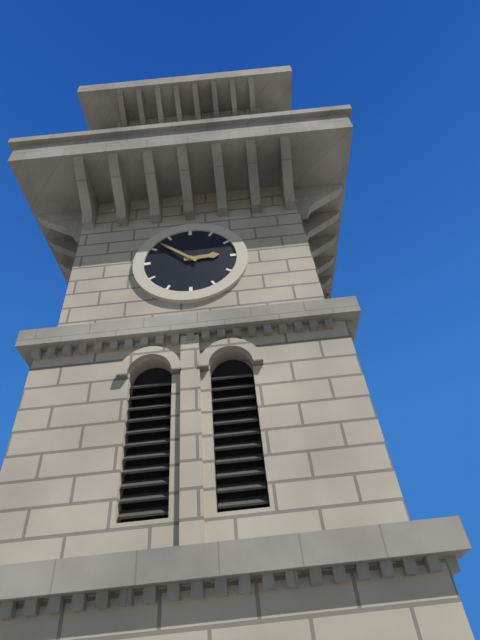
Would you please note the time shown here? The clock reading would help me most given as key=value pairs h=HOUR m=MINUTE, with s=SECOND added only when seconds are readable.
h=2 m=52
